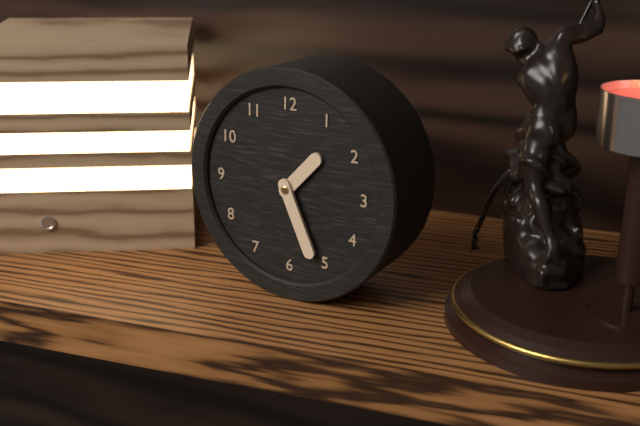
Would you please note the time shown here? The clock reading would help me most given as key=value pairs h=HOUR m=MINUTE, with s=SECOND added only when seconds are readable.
h=1 m=26
